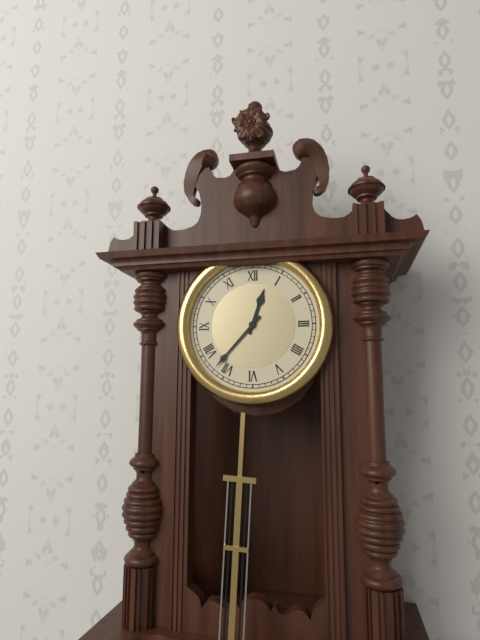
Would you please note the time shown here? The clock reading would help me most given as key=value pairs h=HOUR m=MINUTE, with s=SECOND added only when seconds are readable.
h=12 m=37
